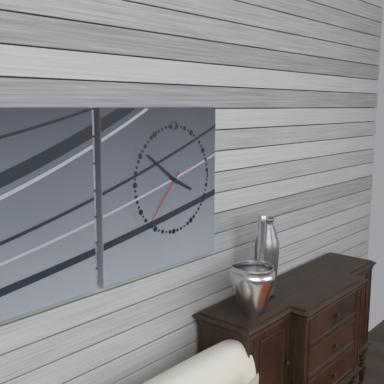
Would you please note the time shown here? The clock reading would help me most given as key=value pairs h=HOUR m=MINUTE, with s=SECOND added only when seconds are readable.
h=3 m=51 s=37
